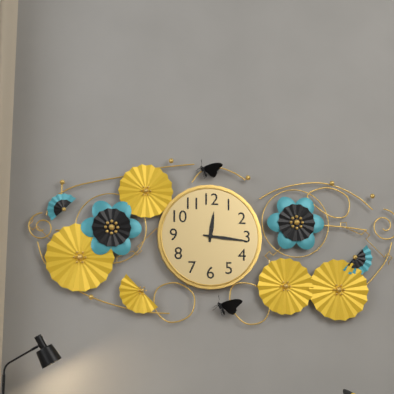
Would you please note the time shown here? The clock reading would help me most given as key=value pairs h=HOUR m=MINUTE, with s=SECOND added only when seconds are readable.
h=12 m=16
